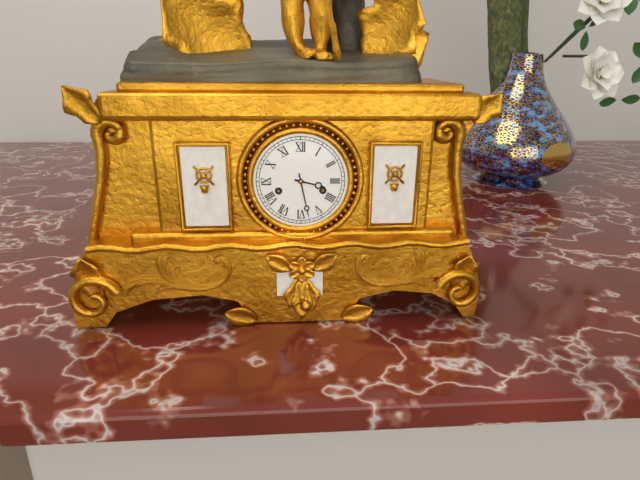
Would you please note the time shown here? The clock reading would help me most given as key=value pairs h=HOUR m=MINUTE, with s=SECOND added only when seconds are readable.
h=3 m=28
